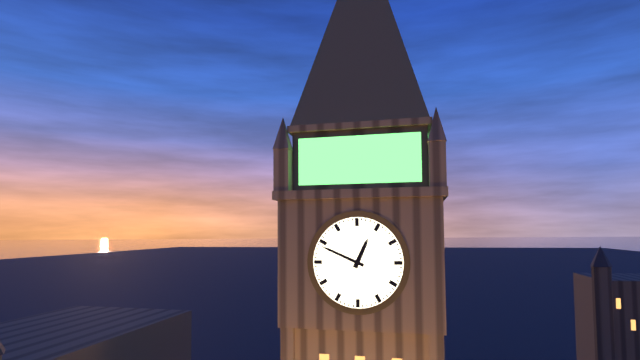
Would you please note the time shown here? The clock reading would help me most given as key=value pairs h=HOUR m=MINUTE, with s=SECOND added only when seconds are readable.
h=12 m=49
